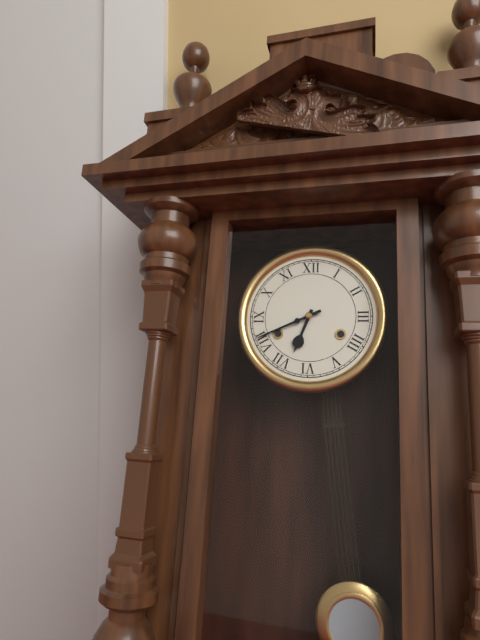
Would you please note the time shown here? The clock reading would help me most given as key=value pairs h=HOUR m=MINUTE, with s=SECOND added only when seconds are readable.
h=6 m=41
